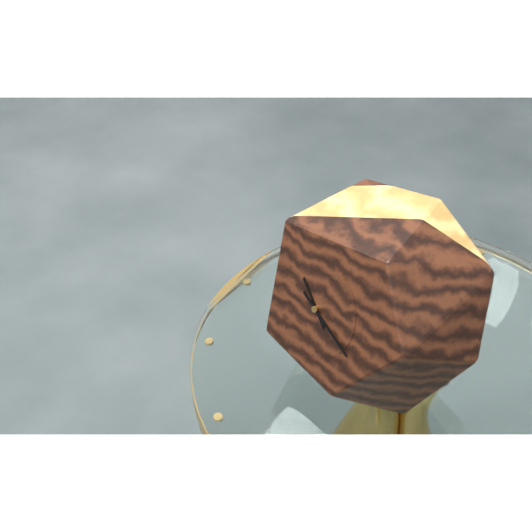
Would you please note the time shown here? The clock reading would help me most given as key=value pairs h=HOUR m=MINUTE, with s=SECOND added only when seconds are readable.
h=10 m=19
